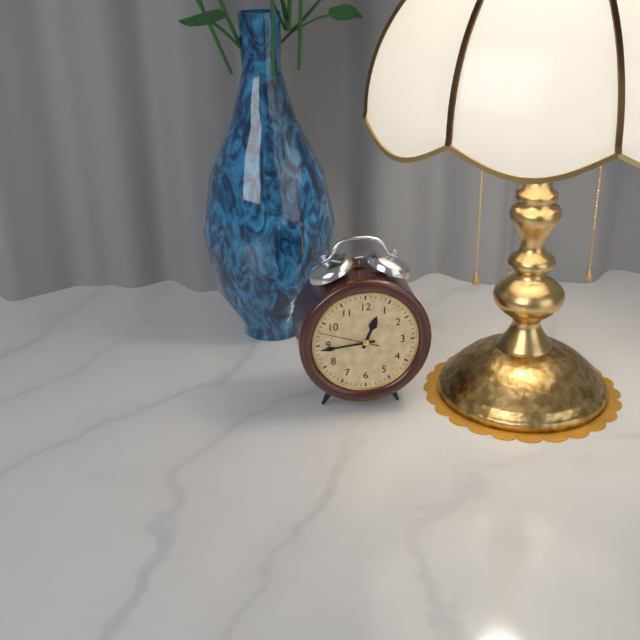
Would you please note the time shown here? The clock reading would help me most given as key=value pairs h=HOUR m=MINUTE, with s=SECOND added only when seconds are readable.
h=12 m=44 s=48
